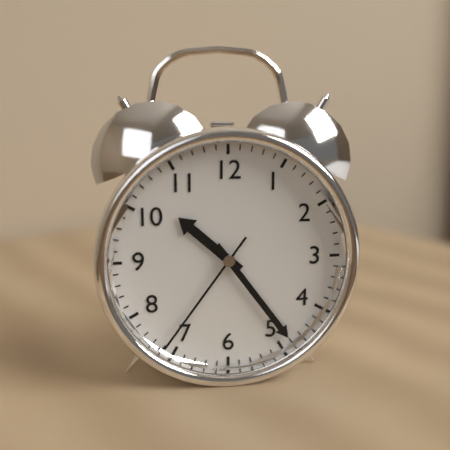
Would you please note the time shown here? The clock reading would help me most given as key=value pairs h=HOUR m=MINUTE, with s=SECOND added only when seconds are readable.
h=10 m=24 s=36
